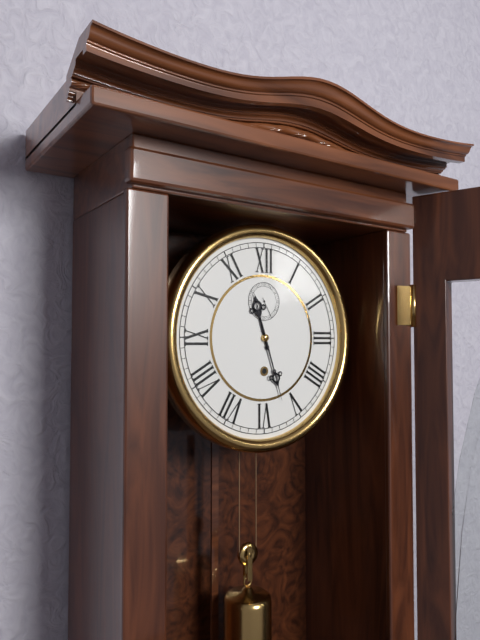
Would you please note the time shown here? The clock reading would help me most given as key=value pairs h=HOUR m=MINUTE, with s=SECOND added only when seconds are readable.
h=11 m=27
